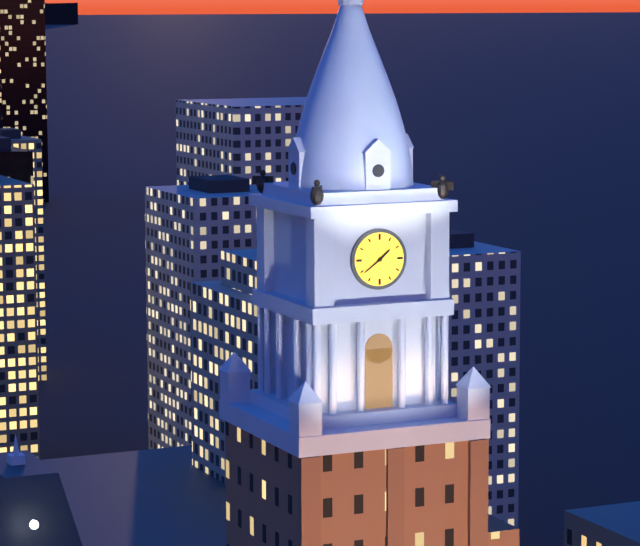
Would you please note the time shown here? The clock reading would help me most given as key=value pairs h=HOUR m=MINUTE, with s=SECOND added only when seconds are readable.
h=1 m=39
